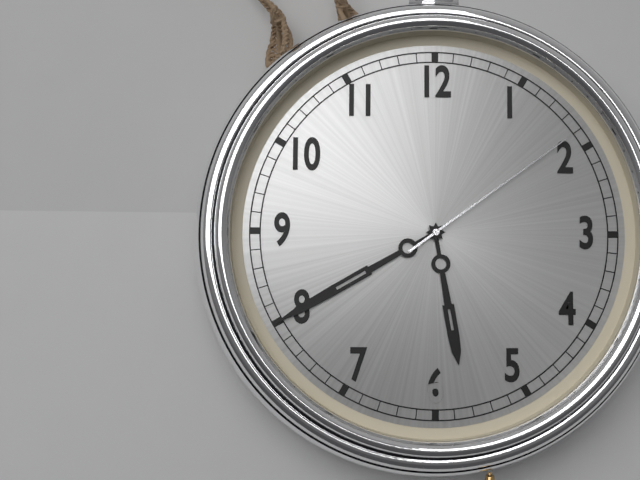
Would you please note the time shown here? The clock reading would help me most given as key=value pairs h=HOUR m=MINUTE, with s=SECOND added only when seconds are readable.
h=5 m=40 s=9
